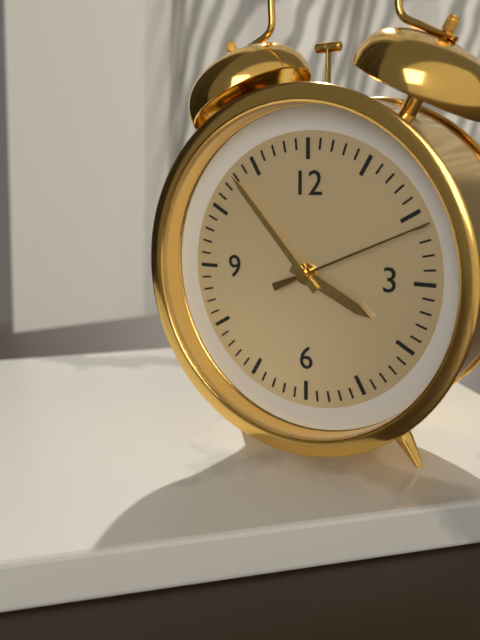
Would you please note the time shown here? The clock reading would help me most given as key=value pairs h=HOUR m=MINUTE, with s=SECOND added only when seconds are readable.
h=3 m=53 s=11
